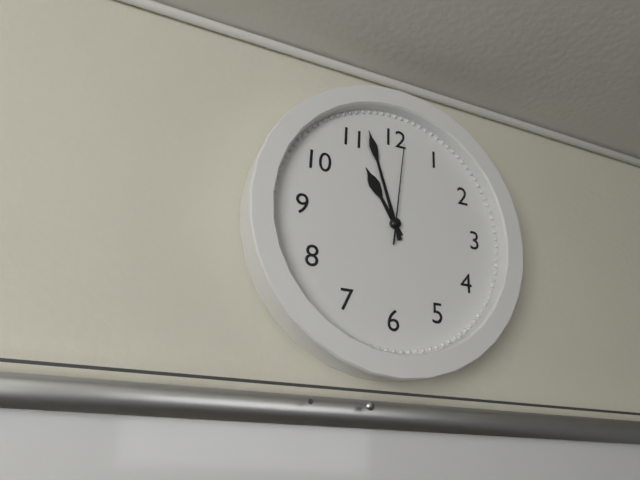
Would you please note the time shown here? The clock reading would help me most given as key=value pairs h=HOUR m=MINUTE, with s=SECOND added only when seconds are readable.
h=10 m=57 s=1
